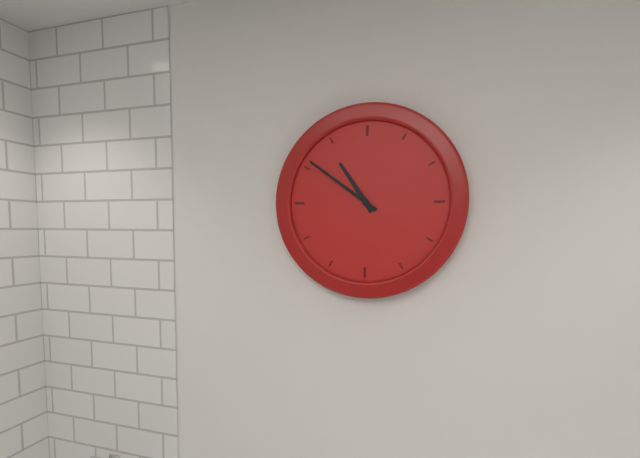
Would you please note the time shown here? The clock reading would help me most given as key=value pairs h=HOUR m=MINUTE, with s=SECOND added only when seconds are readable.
h=10 m=51
